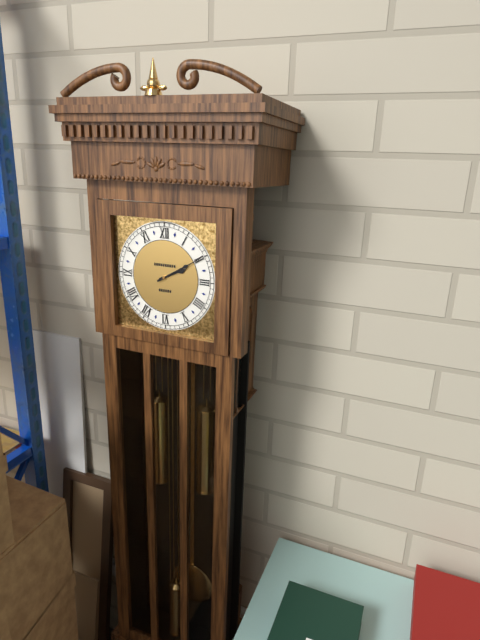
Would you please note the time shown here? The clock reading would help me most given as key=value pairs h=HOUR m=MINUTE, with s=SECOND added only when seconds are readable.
h=2 m=10
